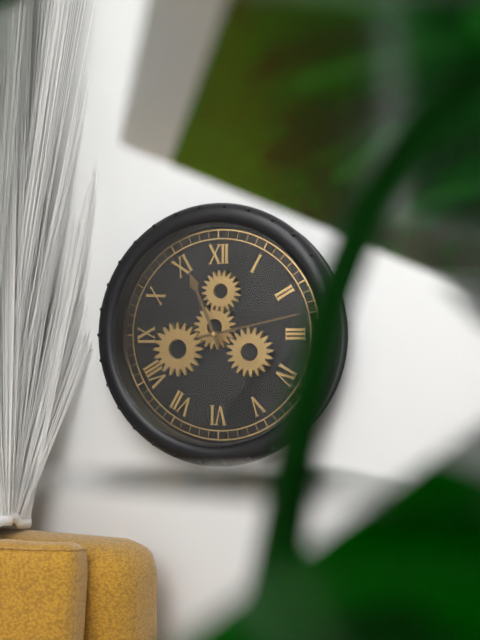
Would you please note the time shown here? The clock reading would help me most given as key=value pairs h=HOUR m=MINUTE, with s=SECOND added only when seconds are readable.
h=11 m=13
